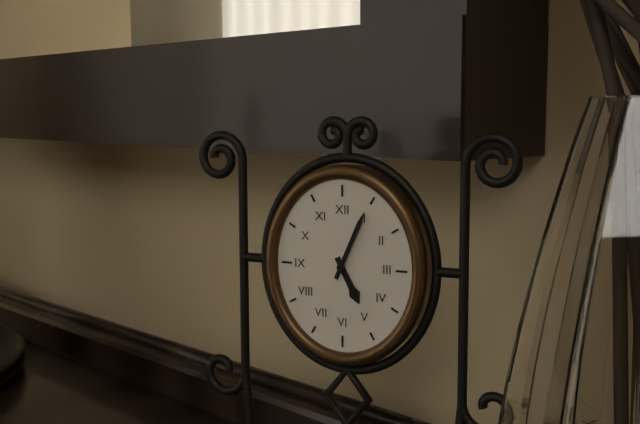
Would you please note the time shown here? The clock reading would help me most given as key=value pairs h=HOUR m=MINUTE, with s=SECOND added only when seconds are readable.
h=5 m=4
